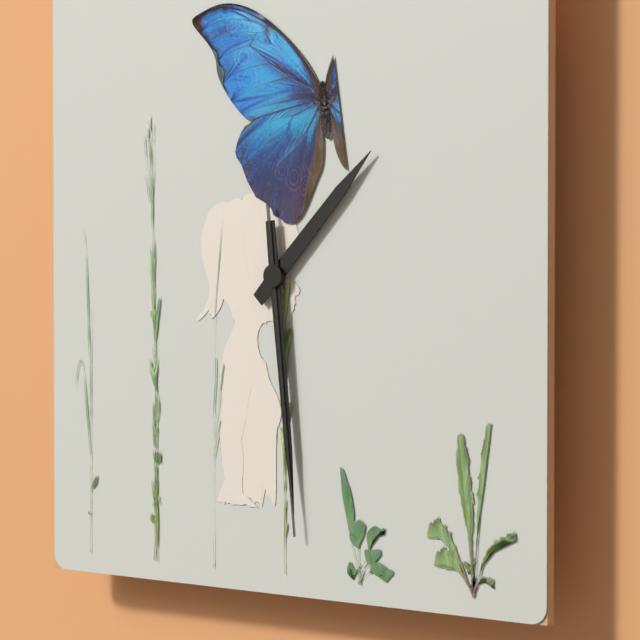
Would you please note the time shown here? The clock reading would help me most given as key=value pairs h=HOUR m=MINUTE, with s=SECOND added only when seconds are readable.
h=1 m=29 s=29
